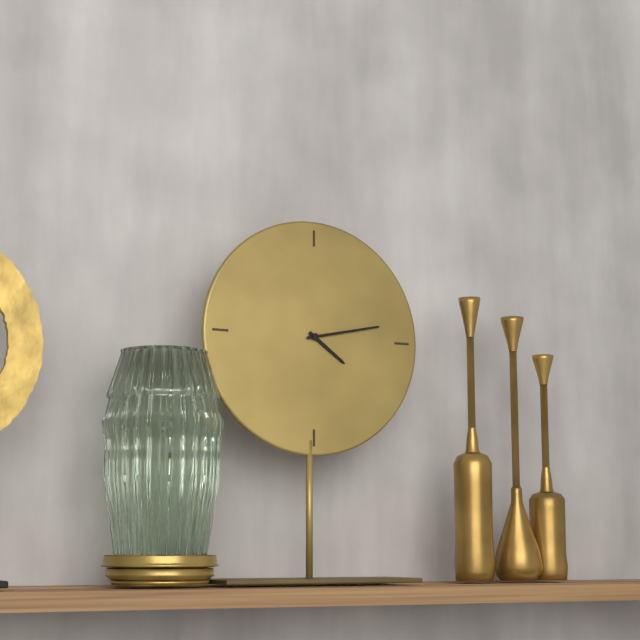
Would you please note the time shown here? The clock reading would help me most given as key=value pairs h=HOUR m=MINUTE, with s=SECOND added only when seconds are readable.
h=4 m=13
